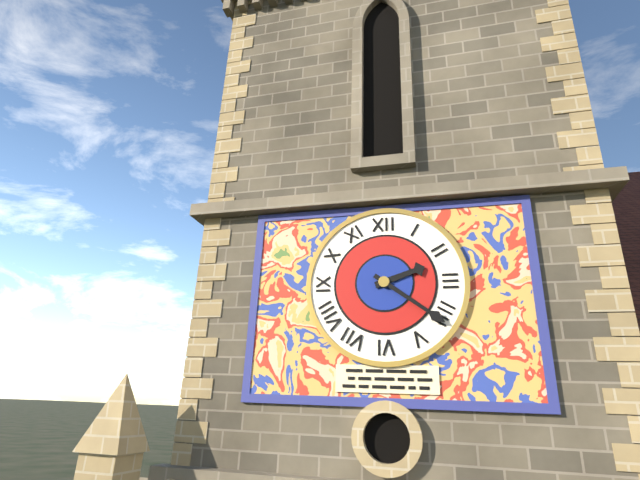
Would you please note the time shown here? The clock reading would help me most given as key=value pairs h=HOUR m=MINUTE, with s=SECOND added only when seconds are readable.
h=2 m=21
